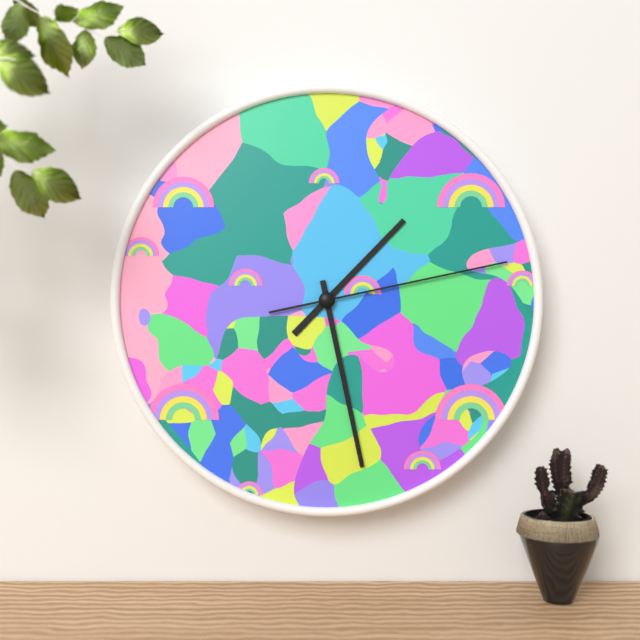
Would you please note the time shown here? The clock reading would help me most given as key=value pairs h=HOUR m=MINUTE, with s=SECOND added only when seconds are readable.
h=1 m=28 s=13
